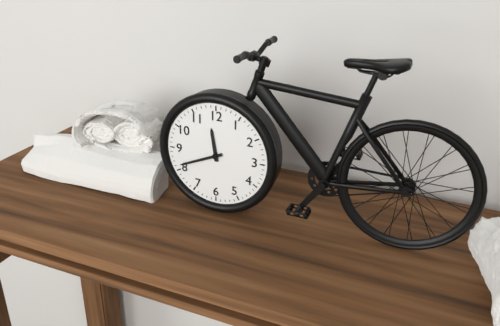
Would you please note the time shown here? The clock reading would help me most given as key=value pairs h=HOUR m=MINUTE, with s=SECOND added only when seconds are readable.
h=11 m=41
